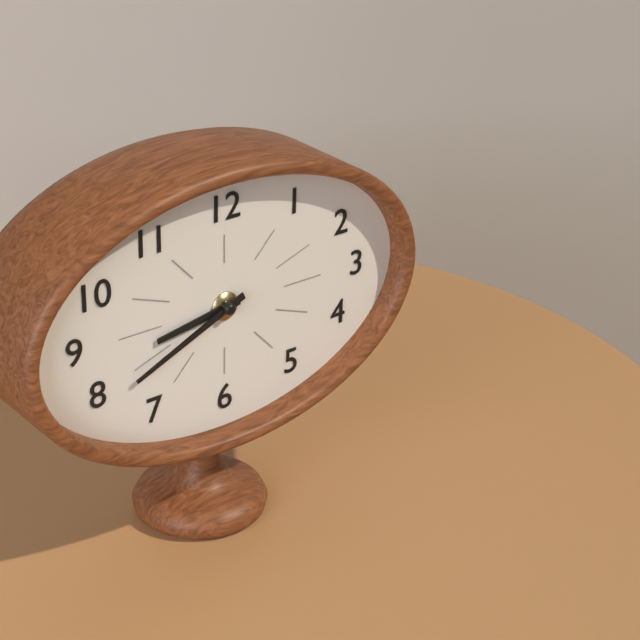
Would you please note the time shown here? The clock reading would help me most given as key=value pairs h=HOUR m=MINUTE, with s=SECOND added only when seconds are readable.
h=8 m=41
